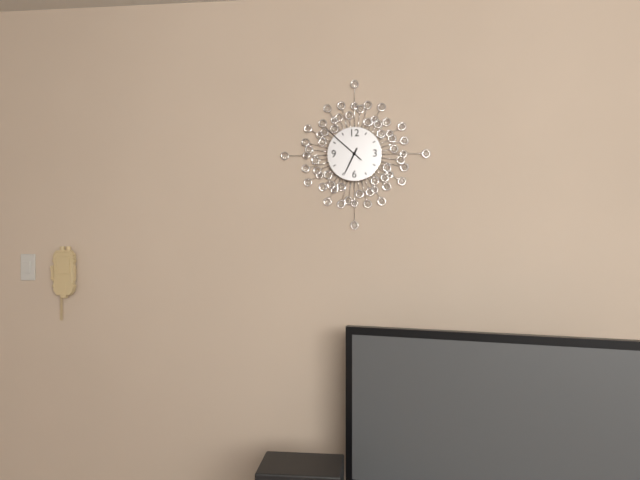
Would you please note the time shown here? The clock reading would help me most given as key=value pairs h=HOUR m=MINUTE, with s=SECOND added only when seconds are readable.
h=6 m=52
